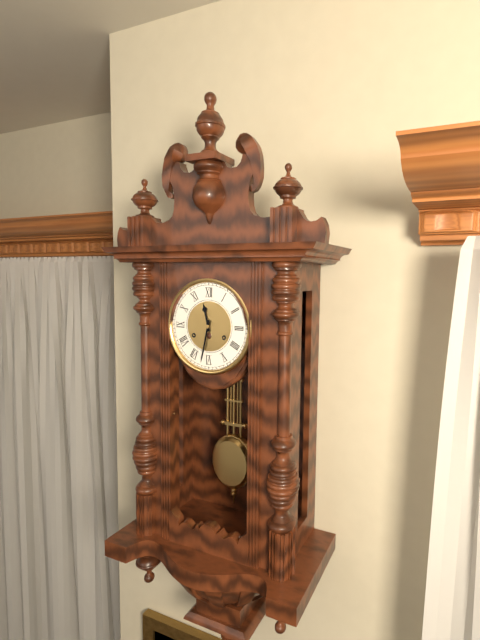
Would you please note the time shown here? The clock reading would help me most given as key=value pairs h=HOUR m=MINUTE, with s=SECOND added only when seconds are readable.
h=11 m=32
